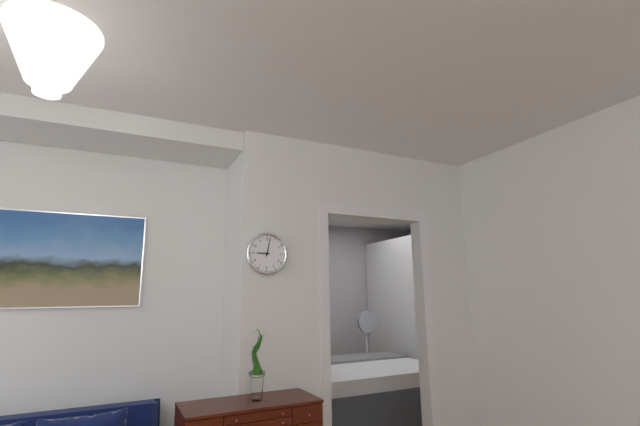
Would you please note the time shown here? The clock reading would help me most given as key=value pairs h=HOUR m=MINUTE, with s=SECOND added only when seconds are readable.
h=9 m=2
